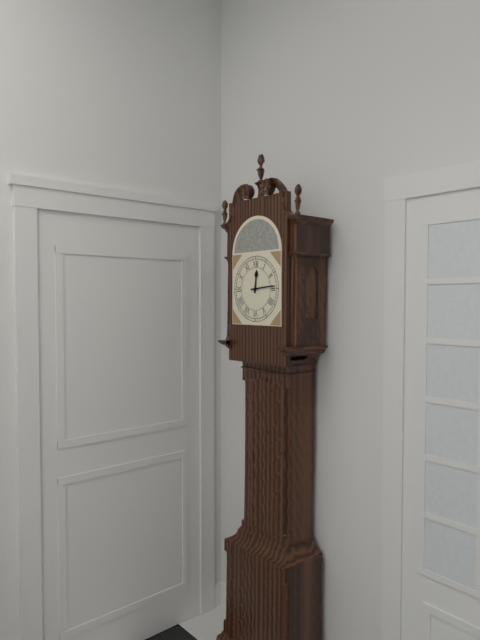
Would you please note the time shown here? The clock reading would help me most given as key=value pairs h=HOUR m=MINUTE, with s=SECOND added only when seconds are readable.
h=12 m=14
